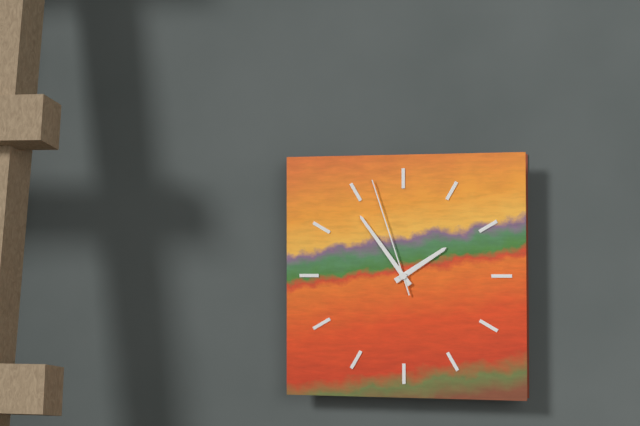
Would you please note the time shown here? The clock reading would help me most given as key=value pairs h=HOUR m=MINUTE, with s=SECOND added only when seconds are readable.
h=1 m=54 s=57
